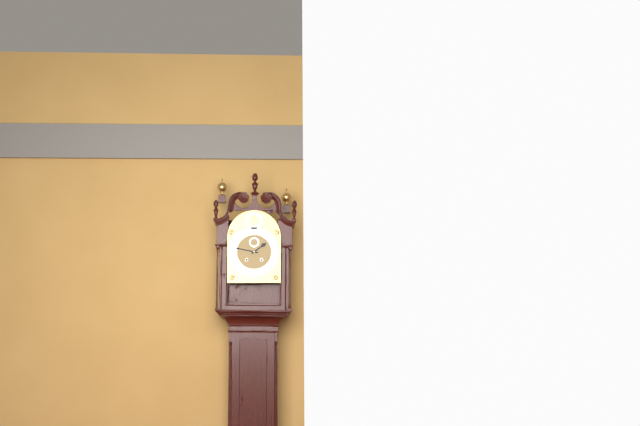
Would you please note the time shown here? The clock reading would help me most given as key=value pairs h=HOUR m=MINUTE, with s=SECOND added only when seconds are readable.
h=1 m=47
